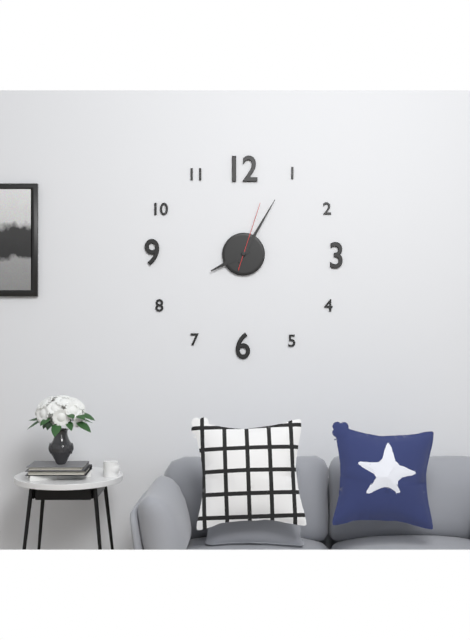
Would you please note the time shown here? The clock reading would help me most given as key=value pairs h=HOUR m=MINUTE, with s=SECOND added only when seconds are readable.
h=8 m=5 s=3
